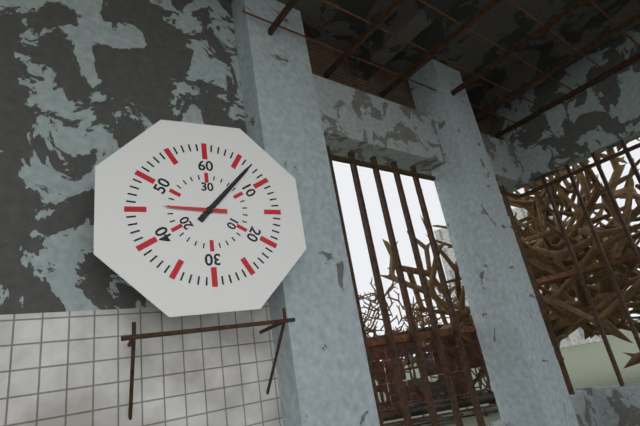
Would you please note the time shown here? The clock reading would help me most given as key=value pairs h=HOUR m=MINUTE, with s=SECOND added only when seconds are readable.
h=9 m=7
